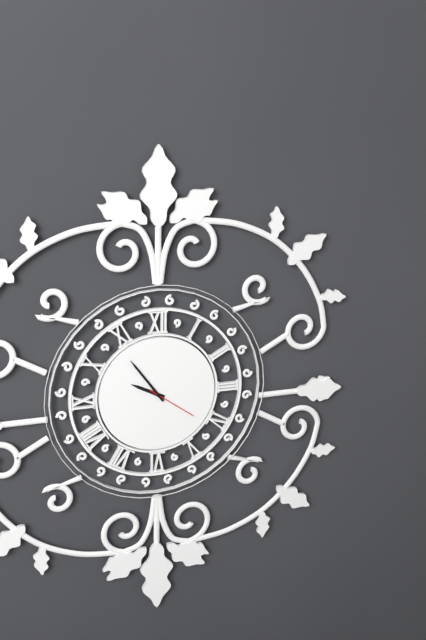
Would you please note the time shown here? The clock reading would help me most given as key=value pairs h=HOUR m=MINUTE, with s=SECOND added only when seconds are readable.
h=9 m=54 s=21
